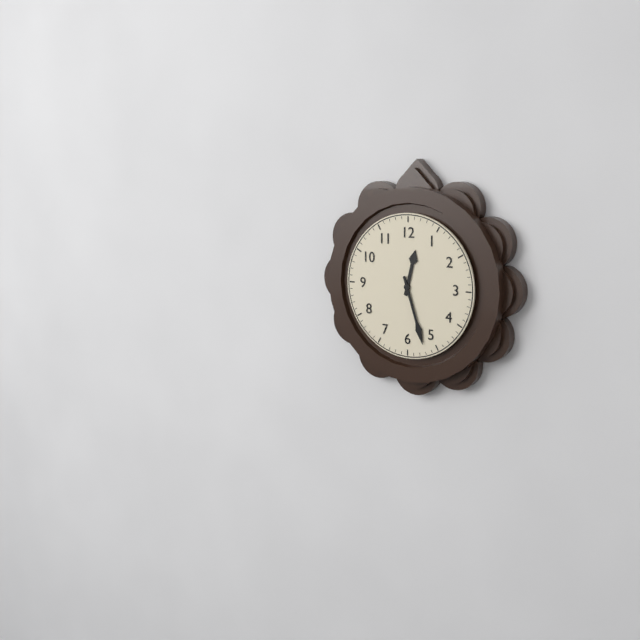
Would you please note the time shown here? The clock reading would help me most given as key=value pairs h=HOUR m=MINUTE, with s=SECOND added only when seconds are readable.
h=12 m=27
